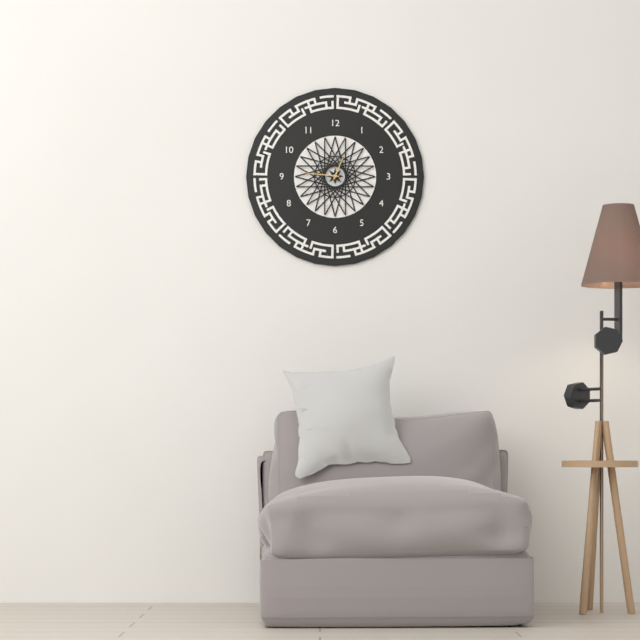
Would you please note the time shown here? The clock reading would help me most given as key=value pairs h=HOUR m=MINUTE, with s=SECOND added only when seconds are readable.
h=12 m=46
